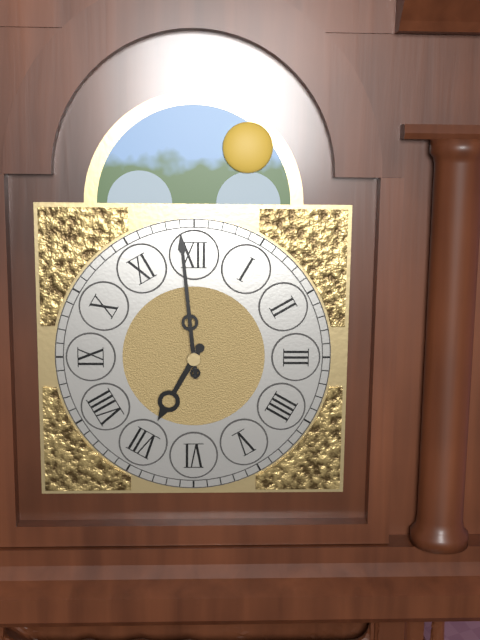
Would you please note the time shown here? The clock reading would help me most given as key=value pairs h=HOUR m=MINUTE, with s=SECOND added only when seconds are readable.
h=6 m=59
